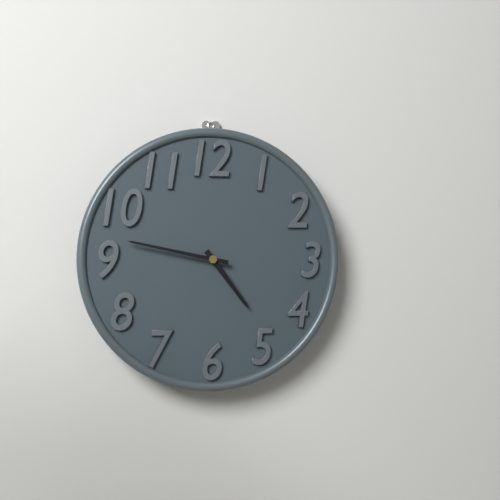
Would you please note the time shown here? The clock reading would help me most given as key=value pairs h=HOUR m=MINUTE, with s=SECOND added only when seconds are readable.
h=4 m=47
